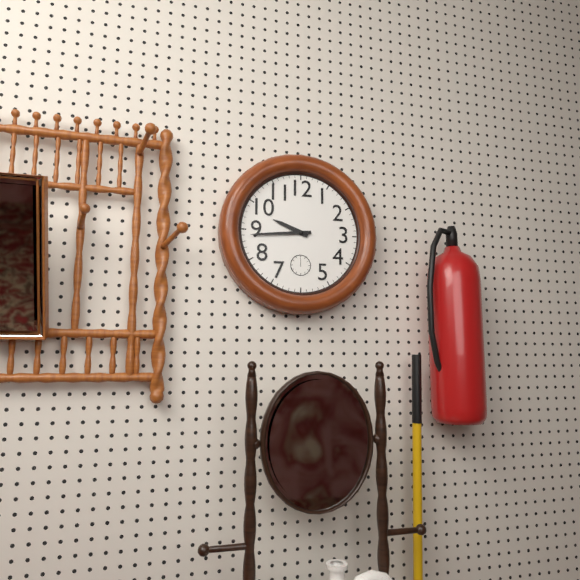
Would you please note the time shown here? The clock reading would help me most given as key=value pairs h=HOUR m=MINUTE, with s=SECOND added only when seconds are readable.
h=9 m=44
